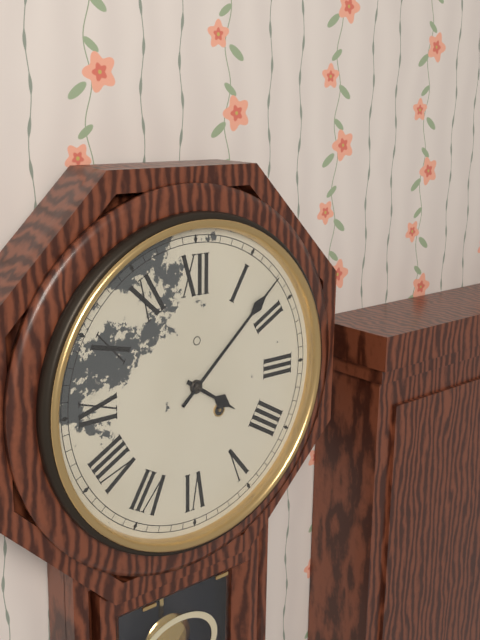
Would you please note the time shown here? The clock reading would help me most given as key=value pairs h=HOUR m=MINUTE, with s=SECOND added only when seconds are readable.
h=4 m=8
